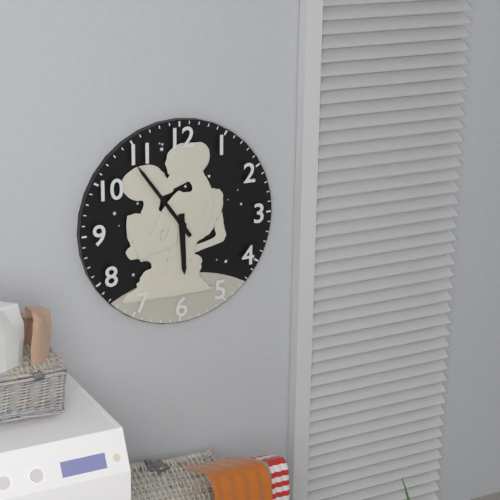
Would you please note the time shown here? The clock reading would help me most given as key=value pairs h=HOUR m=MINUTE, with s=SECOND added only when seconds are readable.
h=5 m=54
